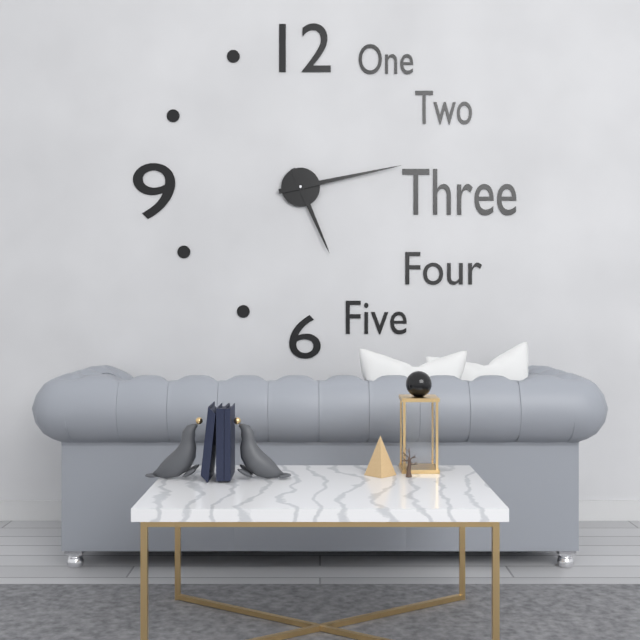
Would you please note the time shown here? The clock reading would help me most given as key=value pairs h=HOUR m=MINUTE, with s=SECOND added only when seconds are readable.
h=5 m=13
